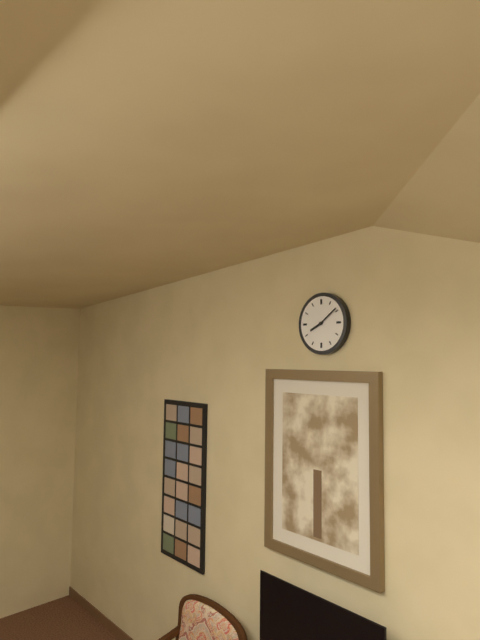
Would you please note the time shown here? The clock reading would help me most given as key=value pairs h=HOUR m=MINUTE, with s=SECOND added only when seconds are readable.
h=8 m=9
